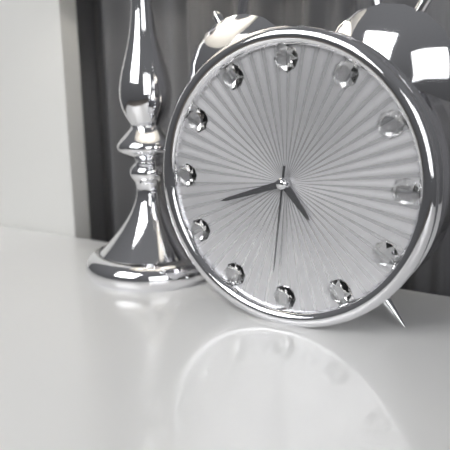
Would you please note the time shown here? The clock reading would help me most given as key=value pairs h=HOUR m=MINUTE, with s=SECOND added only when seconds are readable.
h=4 m=42 s=31
